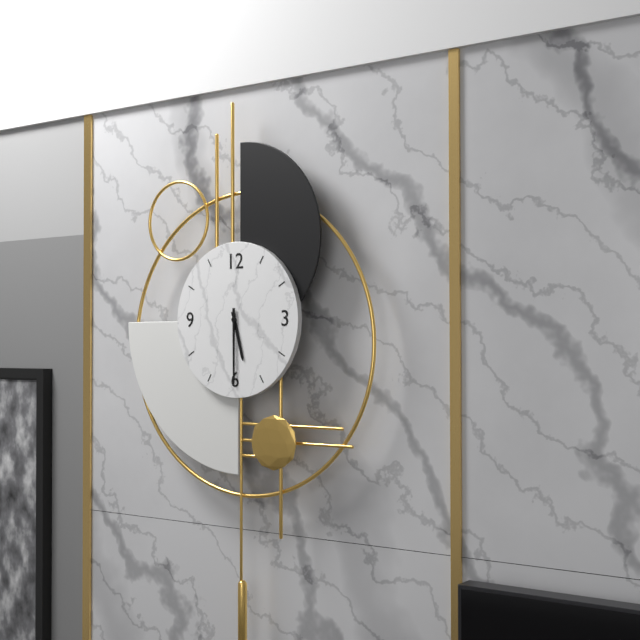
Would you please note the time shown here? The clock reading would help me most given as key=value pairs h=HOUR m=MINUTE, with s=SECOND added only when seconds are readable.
h=5 m=30
